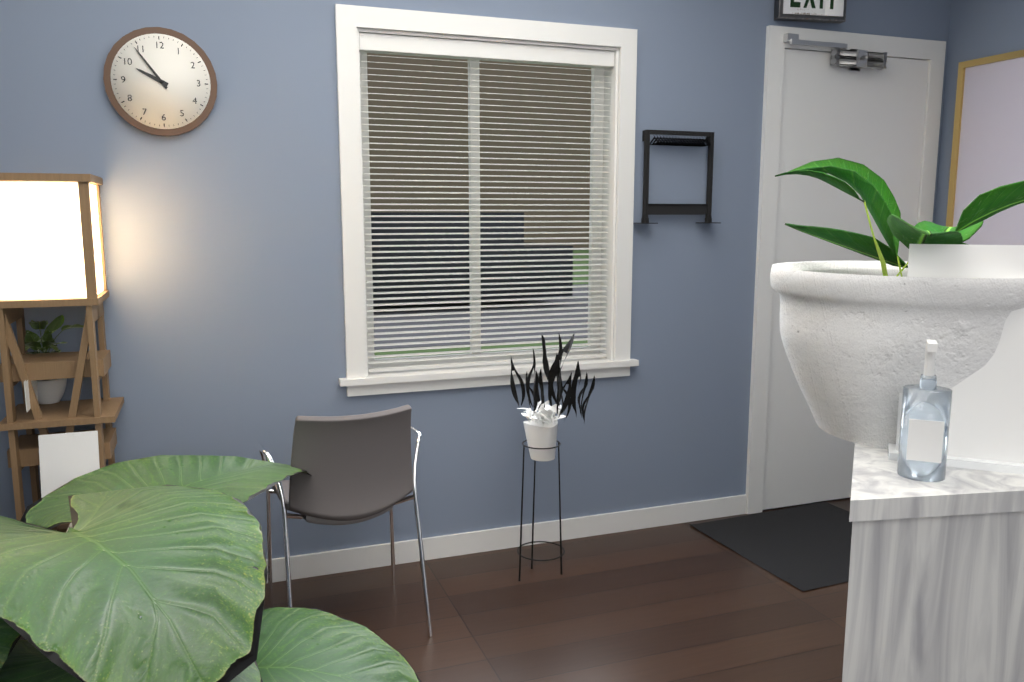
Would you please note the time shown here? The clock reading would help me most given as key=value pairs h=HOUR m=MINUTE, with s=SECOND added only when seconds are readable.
h=9 m=54
